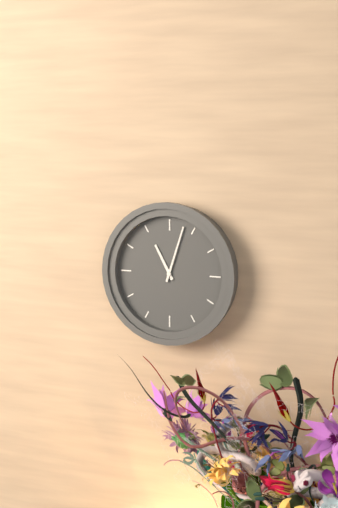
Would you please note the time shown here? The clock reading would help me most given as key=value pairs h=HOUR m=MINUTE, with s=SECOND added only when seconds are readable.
h=11 m=3
